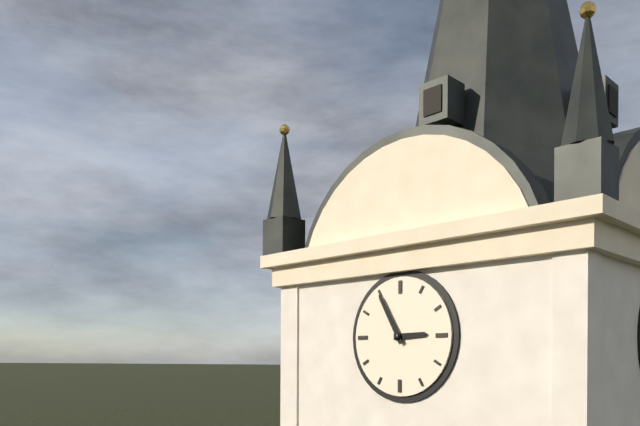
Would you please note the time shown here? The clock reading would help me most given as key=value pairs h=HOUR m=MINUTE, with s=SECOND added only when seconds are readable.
h=2 m=55
